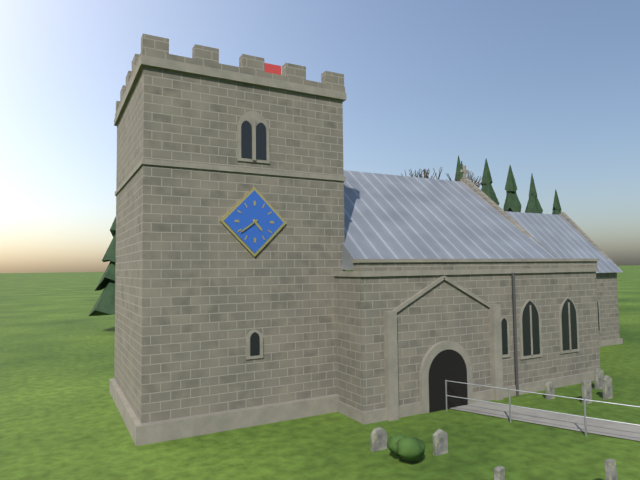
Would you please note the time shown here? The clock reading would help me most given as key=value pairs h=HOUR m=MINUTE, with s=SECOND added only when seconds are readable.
h=4 m=39
